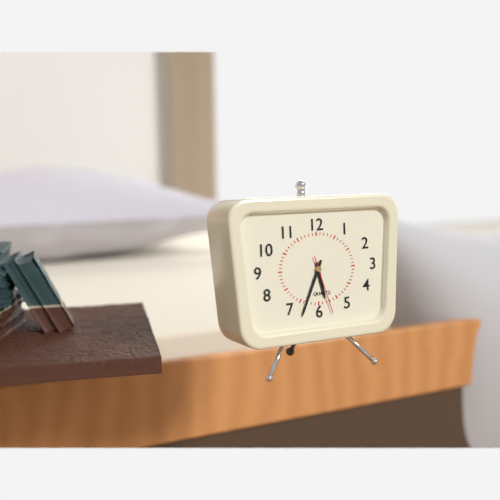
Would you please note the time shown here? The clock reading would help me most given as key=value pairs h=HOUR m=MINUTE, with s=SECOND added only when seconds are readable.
h=5 m=34 s=27
